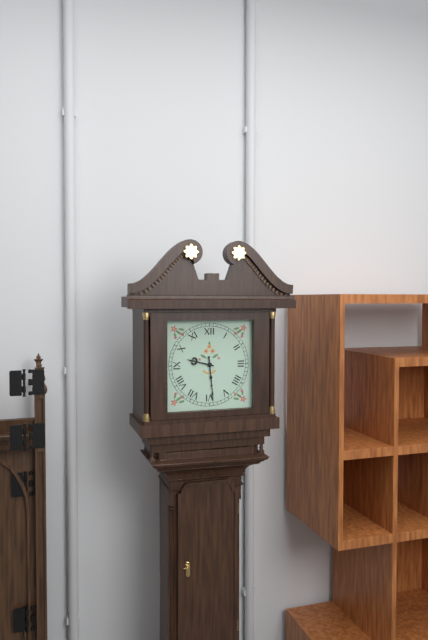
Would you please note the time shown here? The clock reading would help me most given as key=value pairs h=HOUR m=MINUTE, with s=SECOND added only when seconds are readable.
h=9 m=29
